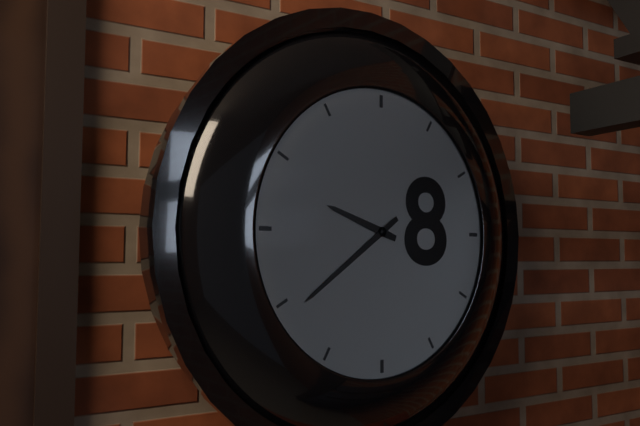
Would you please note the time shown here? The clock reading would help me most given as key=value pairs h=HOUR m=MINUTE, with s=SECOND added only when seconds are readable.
h=9 m=39
